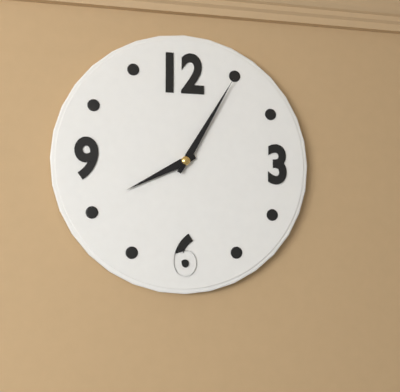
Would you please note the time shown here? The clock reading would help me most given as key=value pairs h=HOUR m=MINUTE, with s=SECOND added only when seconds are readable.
h=8 m=5
